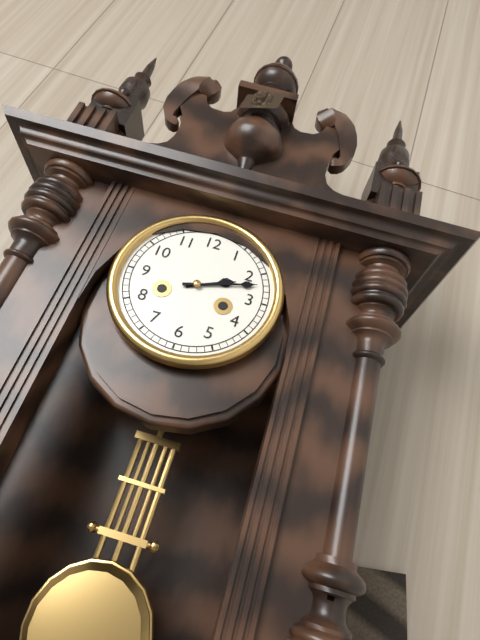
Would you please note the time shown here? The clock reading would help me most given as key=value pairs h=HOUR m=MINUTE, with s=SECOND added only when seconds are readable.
h=2 m=12
